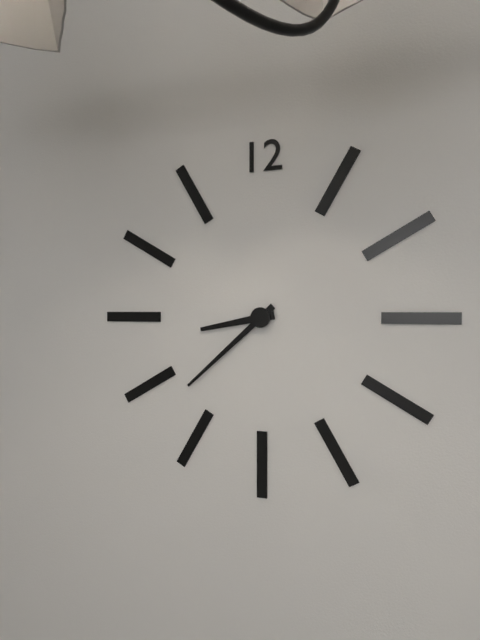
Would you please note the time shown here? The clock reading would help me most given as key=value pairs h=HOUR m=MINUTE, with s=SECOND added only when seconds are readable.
h=8 m=38
